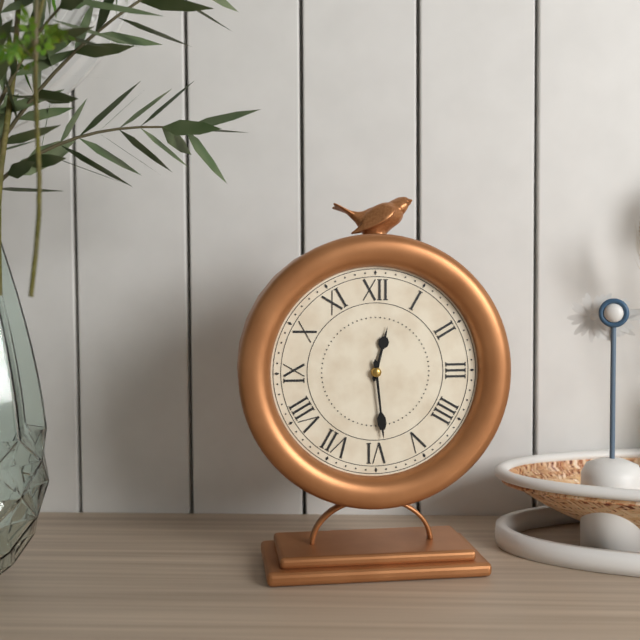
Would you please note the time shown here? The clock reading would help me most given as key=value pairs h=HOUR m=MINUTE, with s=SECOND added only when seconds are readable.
h=12 m=29
